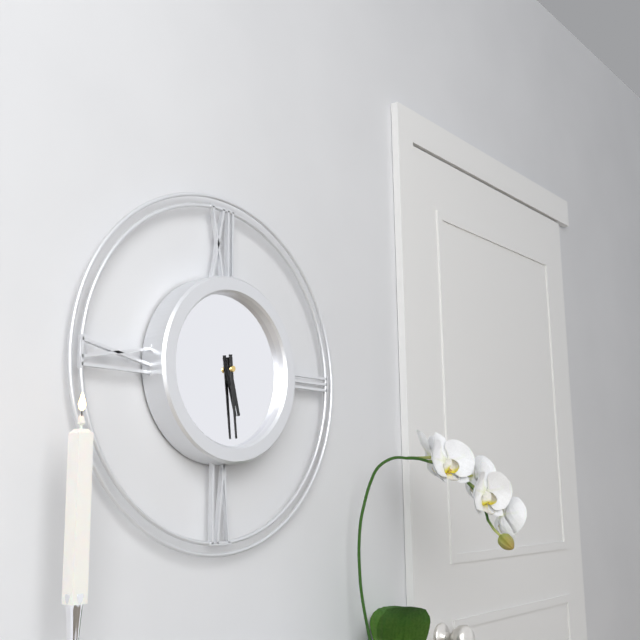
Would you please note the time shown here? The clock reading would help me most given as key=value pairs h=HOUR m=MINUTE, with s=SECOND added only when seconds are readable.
h=5 m=29
